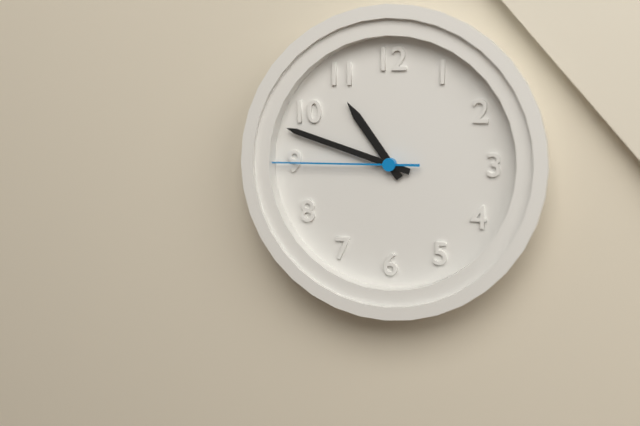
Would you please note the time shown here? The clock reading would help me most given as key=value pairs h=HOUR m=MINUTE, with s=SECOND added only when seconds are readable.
h=10 m=48 s=45
